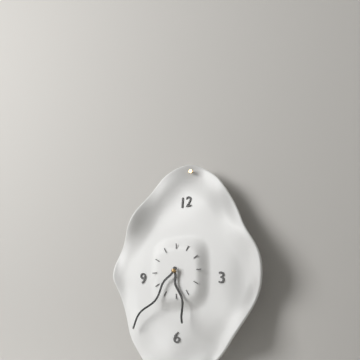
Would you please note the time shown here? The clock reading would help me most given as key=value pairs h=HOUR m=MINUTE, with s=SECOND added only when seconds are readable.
h=5 m=37
